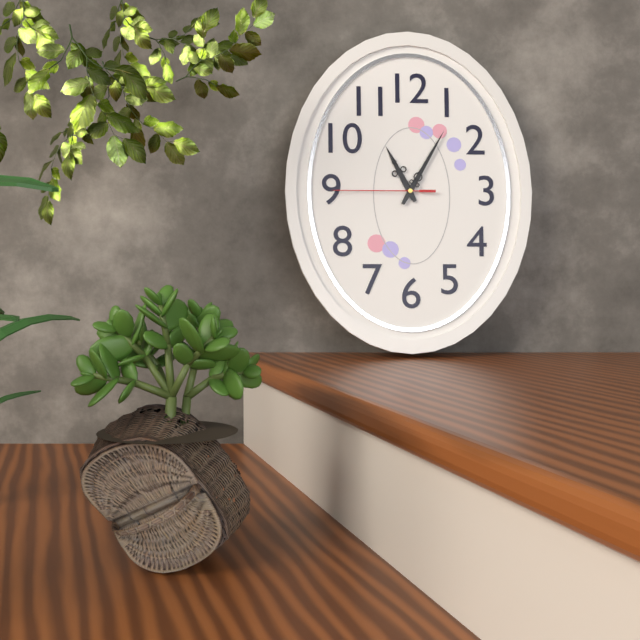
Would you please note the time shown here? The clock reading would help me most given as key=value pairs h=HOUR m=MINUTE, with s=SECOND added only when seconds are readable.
h=11 m=5 s=45
